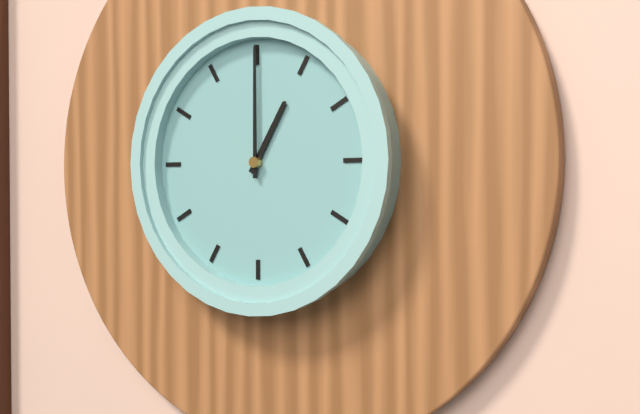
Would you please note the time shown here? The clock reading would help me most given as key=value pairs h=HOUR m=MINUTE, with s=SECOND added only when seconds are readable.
h=1 m=0
